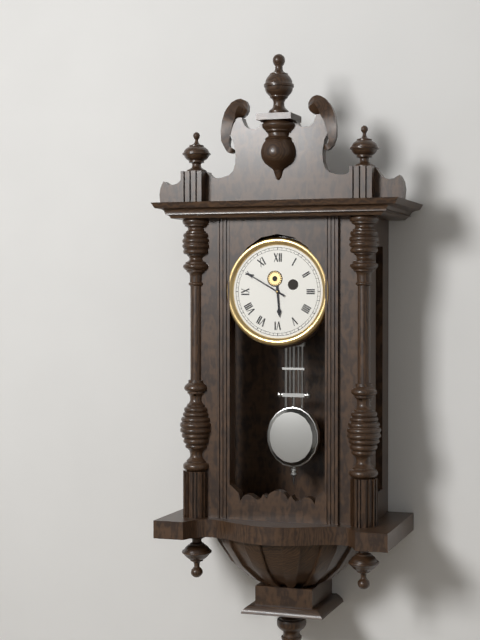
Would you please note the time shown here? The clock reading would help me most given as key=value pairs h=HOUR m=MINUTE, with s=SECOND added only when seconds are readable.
h=5 m=50
